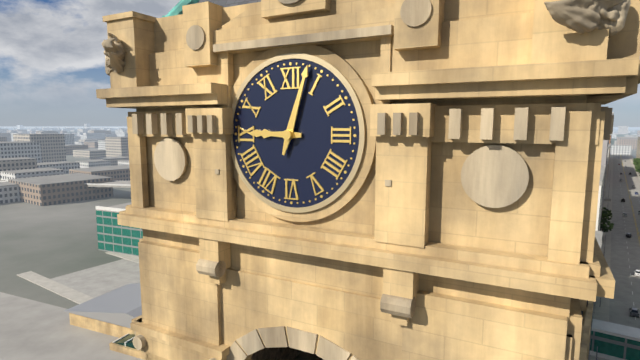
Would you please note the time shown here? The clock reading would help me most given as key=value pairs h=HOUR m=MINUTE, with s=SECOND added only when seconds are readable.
h=9 m=3
